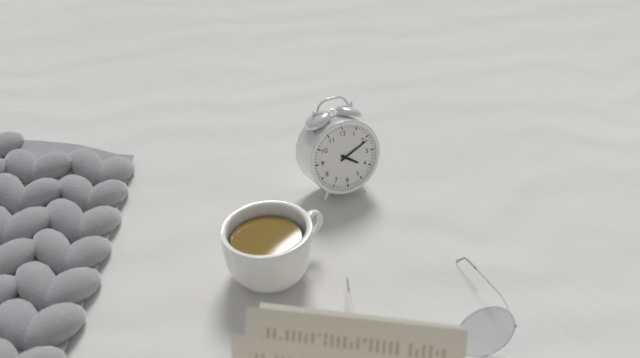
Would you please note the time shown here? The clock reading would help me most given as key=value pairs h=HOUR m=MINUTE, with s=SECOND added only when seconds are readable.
h=4 m=11
